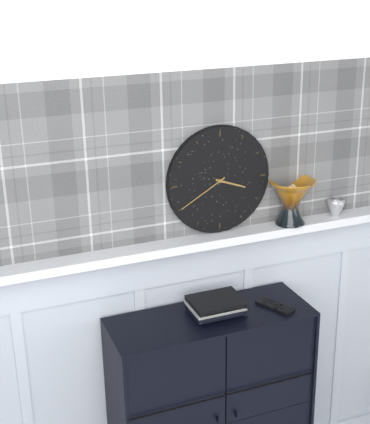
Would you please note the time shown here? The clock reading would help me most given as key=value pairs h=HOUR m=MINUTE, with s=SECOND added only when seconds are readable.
h=3 m=40
